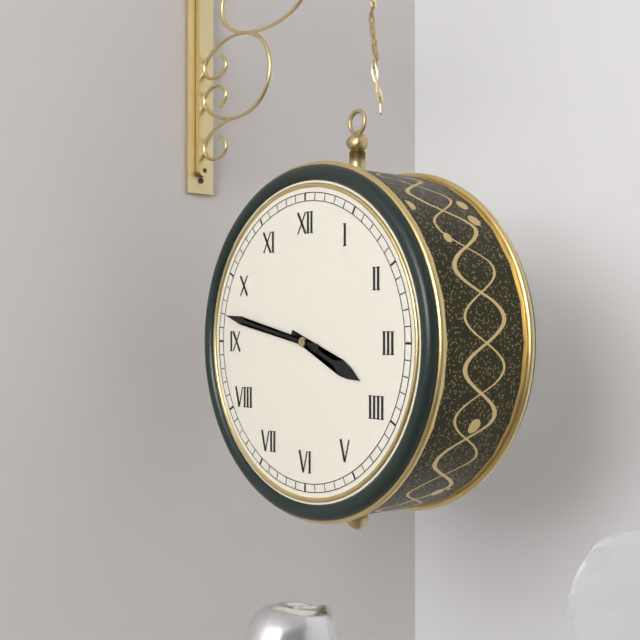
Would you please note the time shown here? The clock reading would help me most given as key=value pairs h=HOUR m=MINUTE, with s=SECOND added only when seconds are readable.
h=3 m=47
